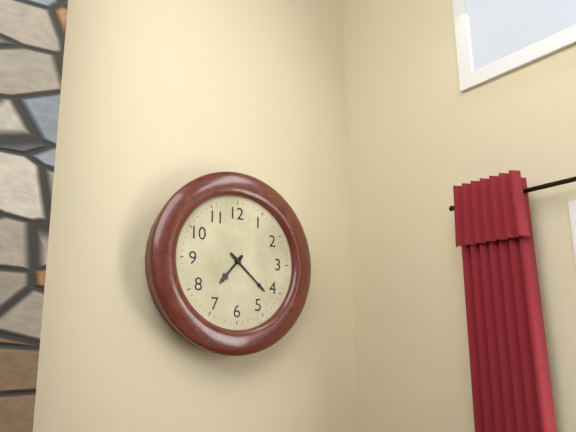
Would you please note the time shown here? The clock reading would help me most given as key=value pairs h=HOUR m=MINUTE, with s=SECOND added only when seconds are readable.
h=7 m=22
